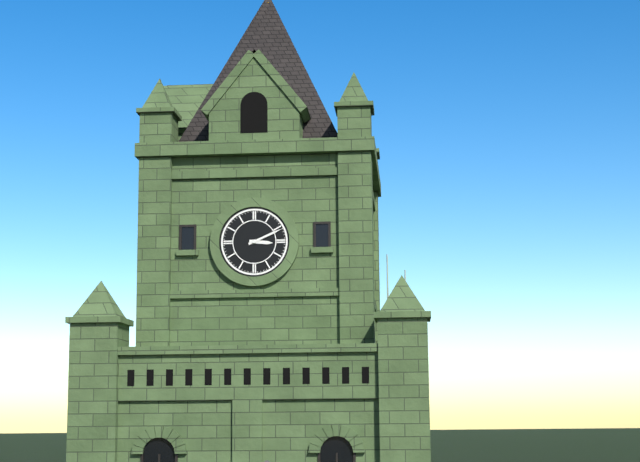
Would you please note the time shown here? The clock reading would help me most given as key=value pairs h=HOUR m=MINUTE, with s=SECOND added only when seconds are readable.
h=3 m=11
